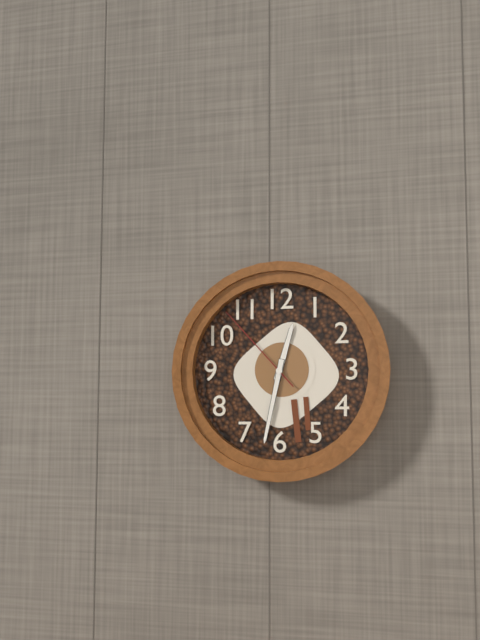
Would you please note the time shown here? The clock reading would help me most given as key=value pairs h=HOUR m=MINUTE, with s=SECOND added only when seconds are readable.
h=12 m=32 s=53
